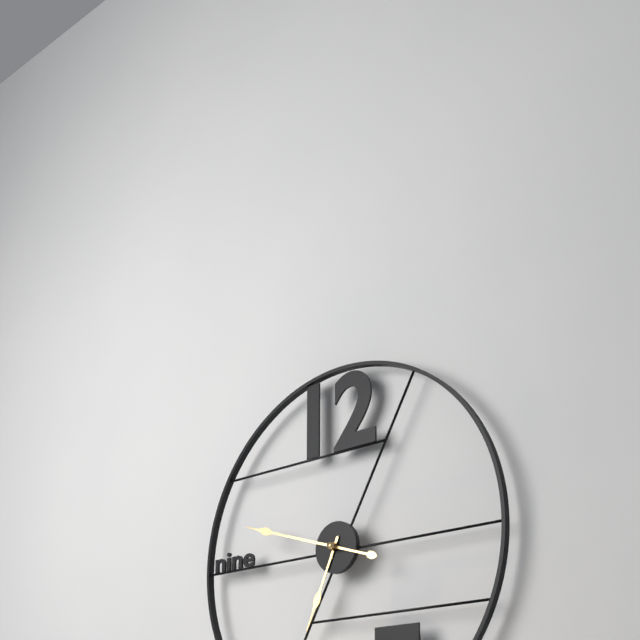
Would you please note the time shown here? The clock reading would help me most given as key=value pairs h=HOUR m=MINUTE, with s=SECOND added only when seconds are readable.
h=6 m=48
